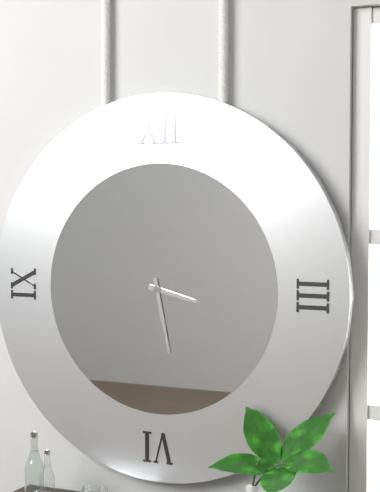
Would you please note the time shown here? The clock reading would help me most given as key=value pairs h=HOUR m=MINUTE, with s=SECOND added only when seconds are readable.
h=3 m=28
